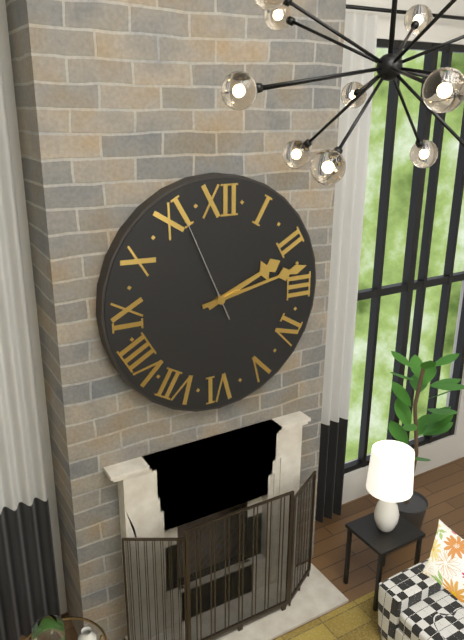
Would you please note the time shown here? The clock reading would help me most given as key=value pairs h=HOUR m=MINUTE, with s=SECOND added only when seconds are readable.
h=2 m=13 s=56
